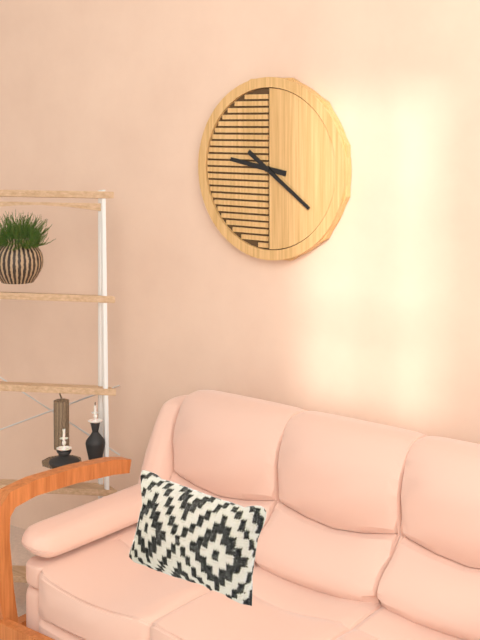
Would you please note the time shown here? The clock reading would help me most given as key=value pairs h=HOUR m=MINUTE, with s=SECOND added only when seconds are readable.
h=9 m=21
